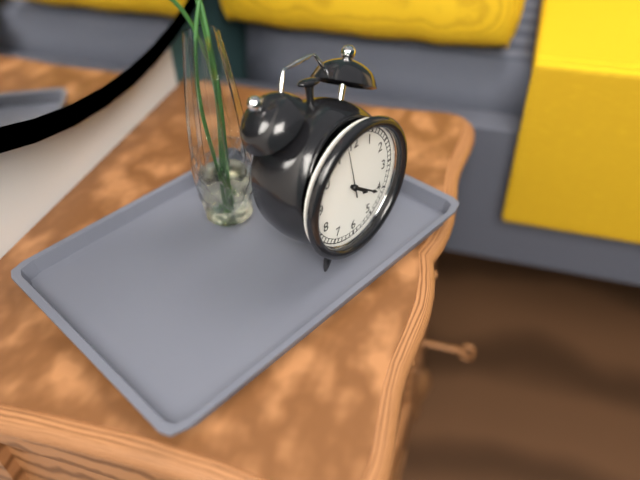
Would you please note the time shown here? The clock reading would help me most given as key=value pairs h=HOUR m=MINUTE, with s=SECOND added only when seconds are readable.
h=4 m=21 s=58
